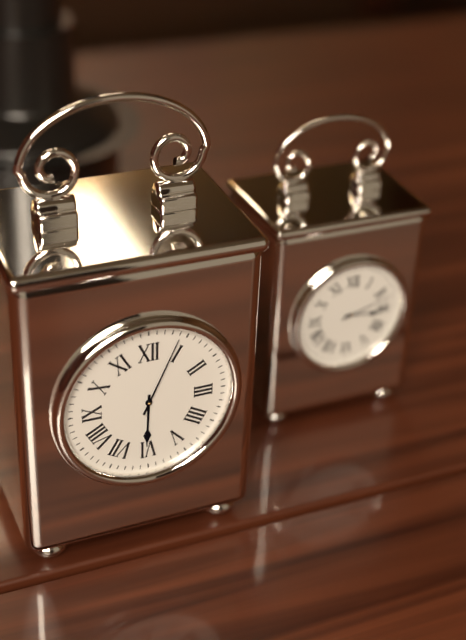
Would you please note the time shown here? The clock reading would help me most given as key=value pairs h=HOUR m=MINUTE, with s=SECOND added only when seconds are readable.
h=6 m=4
